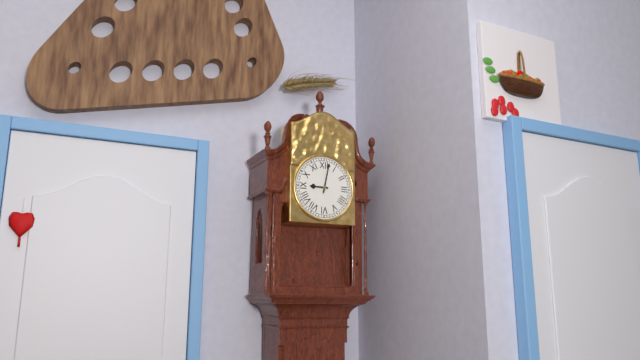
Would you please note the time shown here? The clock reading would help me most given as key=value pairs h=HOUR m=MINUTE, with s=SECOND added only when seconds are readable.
h=9 m=2
